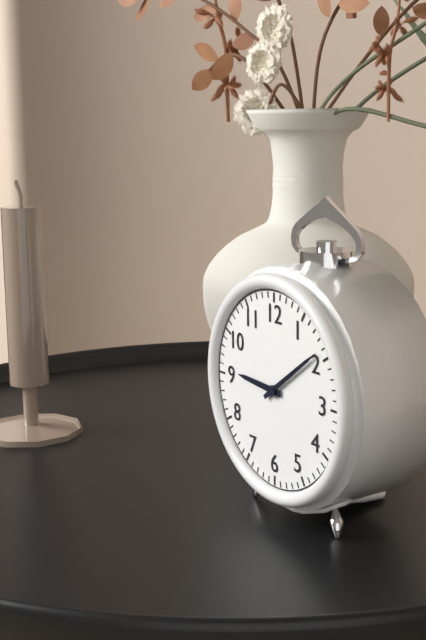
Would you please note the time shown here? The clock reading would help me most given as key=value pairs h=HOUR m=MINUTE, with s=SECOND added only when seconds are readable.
h=9 m=9
